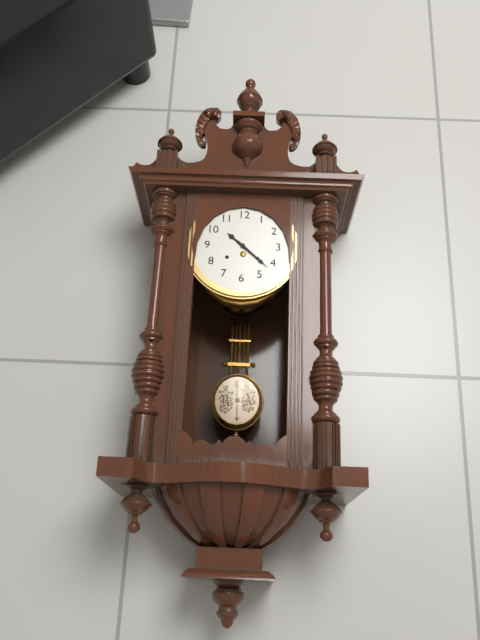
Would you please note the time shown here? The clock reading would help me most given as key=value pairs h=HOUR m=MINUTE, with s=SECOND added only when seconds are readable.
h=10 m=22
